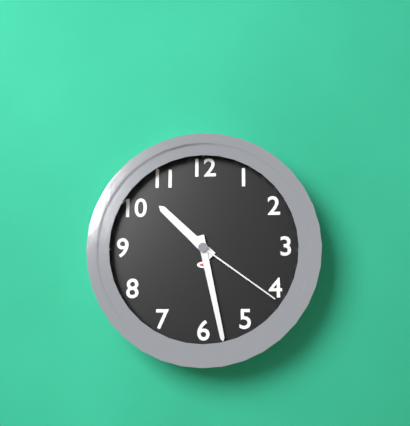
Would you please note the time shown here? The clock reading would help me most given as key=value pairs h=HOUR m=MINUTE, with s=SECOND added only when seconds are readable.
h=10 m=28 s=21
